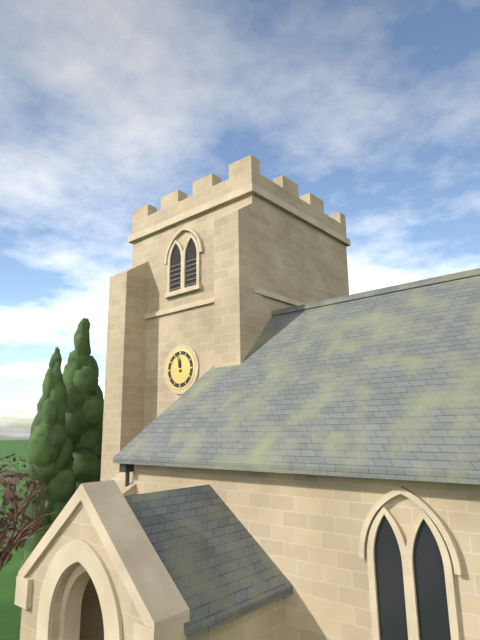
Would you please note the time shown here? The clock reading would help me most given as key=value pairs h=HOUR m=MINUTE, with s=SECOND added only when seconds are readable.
h=11 m=58
